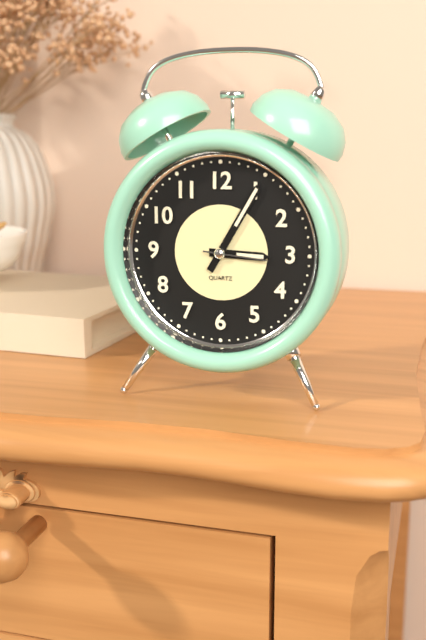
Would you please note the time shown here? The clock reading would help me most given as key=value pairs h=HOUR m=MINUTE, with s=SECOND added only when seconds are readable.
h=3 m=5 s=16
